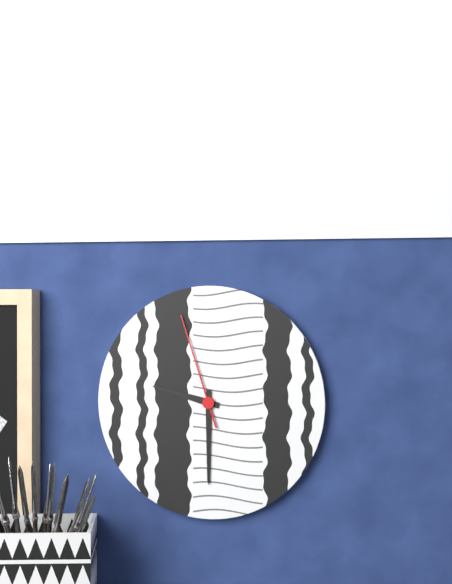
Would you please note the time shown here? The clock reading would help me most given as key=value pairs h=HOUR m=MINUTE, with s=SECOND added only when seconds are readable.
h=9 m=30 s=57
